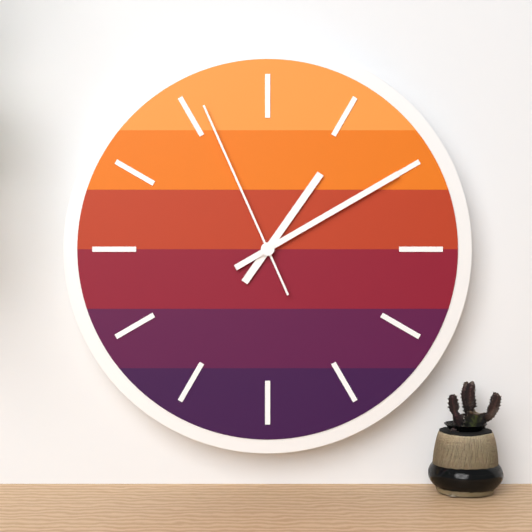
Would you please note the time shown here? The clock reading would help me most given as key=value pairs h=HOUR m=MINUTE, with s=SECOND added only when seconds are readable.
h=1 m=10 s=56
